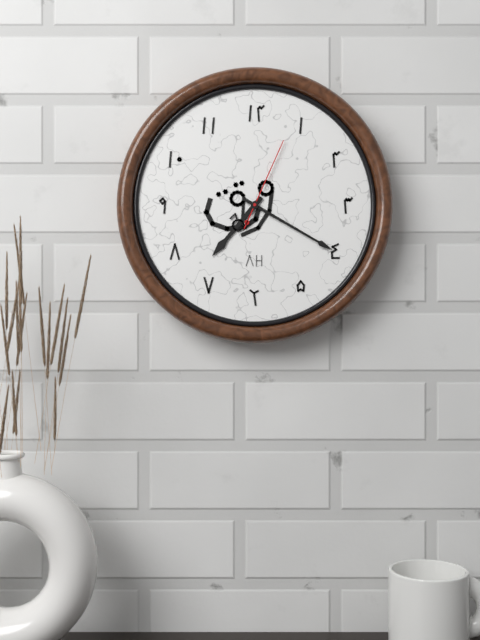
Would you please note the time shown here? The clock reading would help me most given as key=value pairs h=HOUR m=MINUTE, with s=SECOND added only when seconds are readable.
h=7 m=20 s=4
